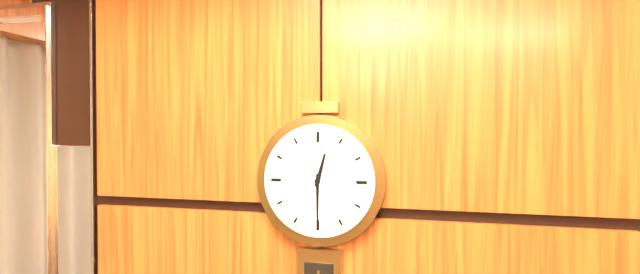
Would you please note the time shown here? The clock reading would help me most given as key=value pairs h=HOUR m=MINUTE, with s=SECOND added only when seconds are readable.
h=12 m=30
